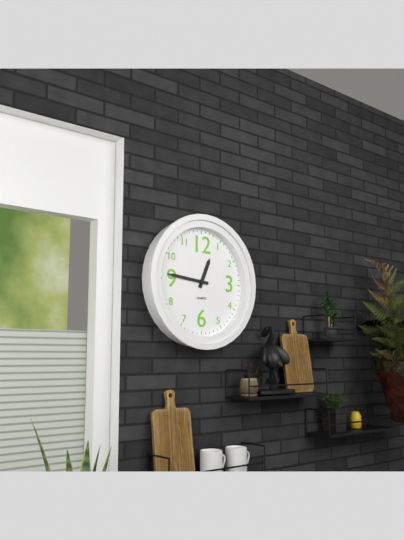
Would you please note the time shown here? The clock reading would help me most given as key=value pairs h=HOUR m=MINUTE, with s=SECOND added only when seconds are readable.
h=12 m=46
